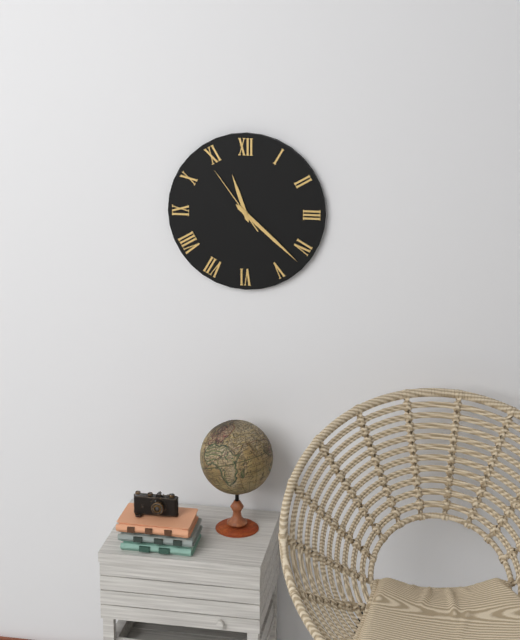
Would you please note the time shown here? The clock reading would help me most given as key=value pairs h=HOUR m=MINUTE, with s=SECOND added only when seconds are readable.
h=11 m=22 s=54
